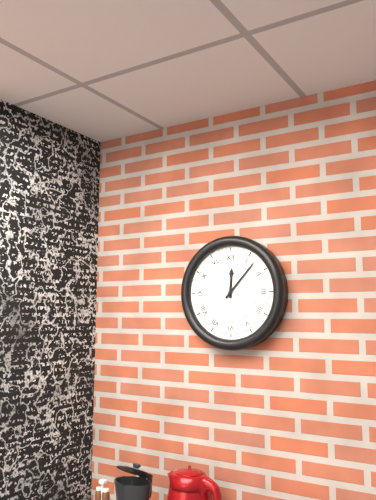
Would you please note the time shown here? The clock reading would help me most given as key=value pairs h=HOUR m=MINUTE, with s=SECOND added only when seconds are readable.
h=12 m=7
